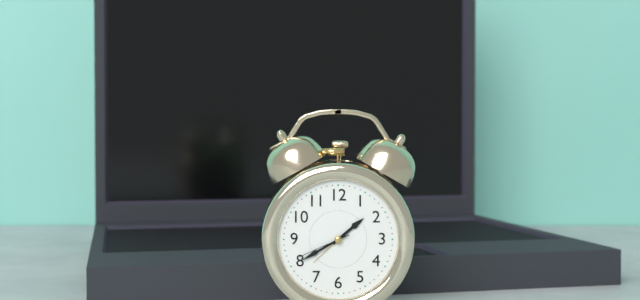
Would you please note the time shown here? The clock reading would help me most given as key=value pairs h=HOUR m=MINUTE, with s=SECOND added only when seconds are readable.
h=1 m=40 s=41
